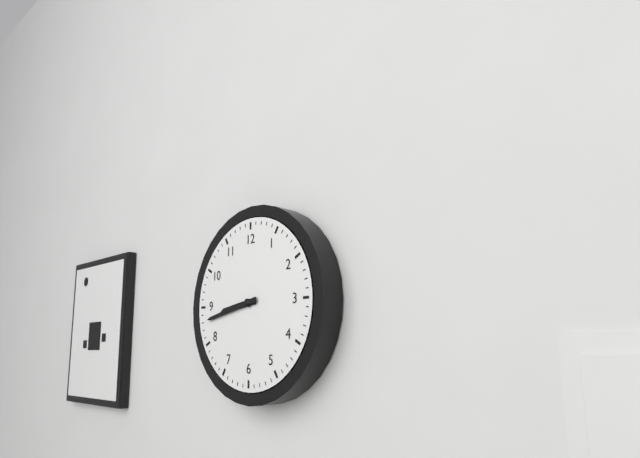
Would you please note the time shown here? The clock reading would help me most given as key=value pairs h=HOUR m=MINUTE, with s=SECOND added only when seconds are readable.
h=8 m=43
